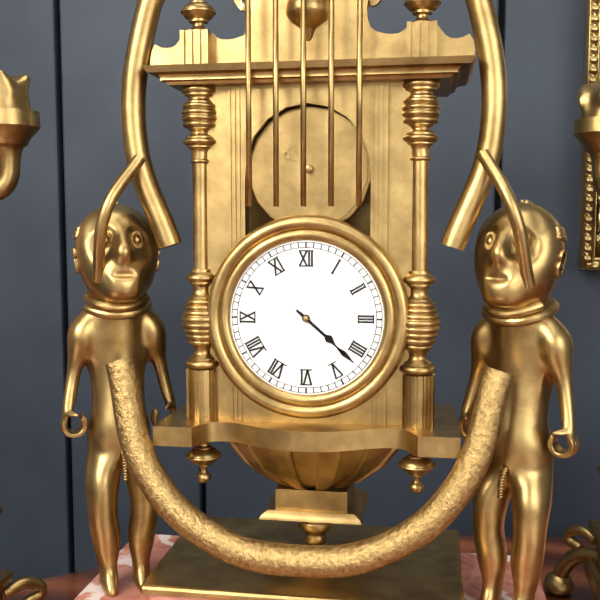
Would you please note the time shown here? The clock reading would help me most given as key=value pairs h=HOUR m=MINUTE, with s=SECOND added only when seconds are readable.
h=4 m=22
